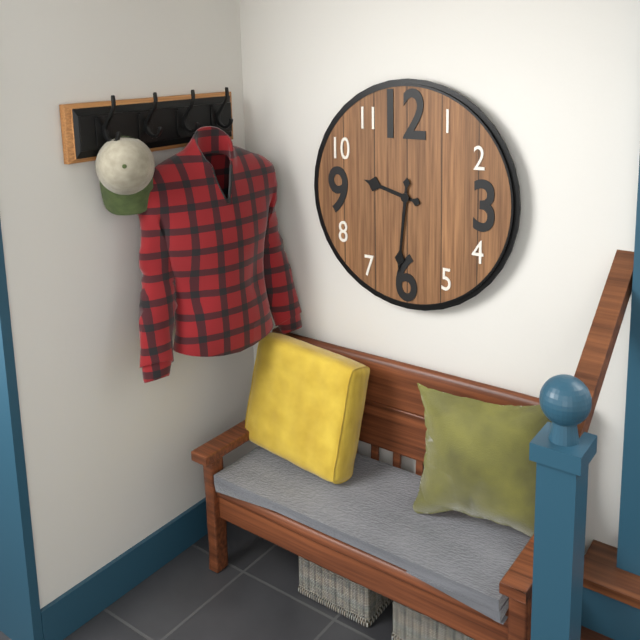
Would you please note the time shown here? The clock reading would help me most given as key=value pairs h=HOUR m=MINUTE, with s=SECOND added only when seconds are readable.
h=9 m=31
